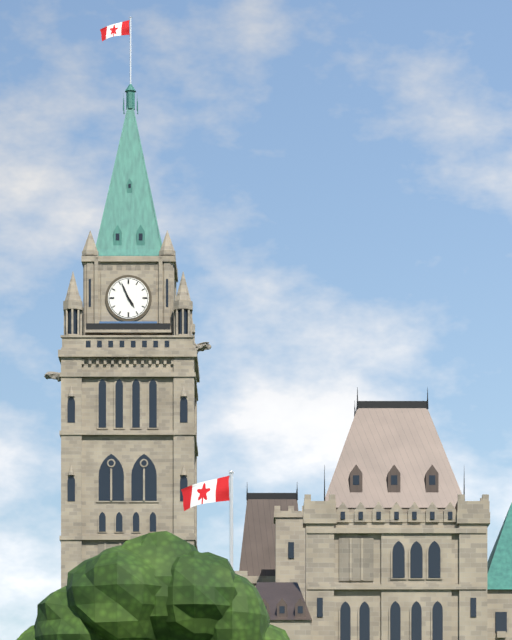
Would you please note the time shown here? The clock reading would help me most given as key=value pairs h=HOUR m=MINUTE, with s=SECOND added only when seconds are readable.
h=4 m=56
